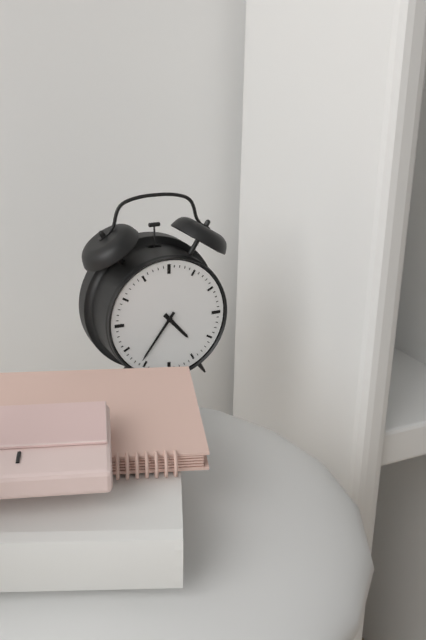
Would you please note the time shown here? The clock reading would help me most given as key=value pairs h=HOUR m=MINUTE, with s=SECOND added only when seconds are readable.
h=4 m=36
